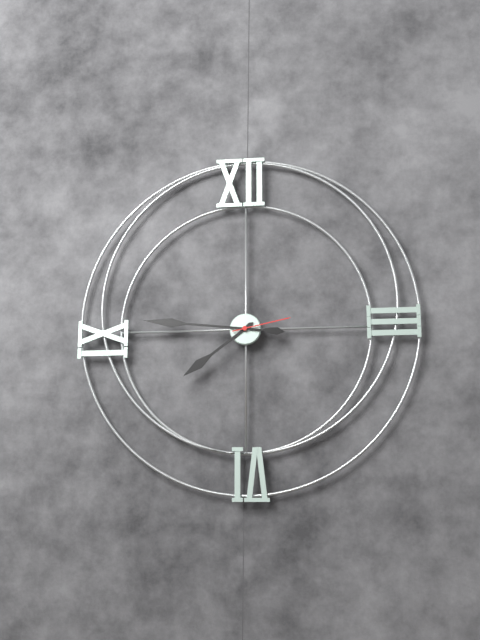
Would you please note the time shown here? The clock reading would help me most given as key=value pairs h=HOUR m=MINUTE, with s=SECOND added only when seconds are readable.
h=7 m=46 s=13
